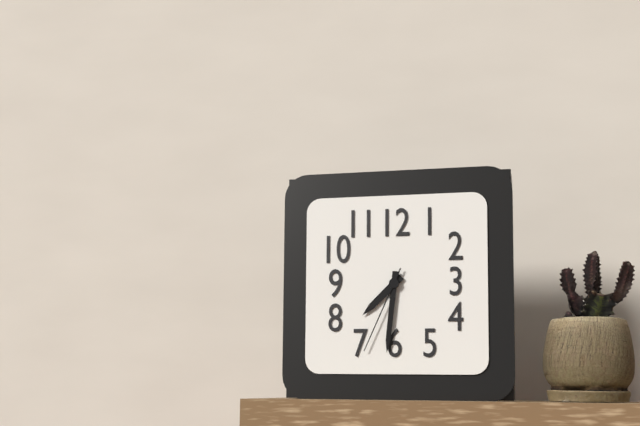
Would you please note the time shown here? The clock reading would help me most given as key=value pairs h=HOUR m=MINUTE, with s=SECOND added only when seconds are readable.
h=7 m=31 s=34
